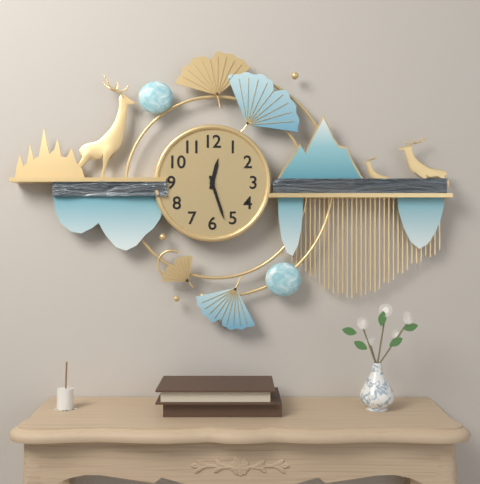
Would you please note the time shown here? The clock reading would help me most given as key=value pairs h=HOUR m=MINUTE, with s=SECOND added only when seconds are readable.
h=12 m=27
